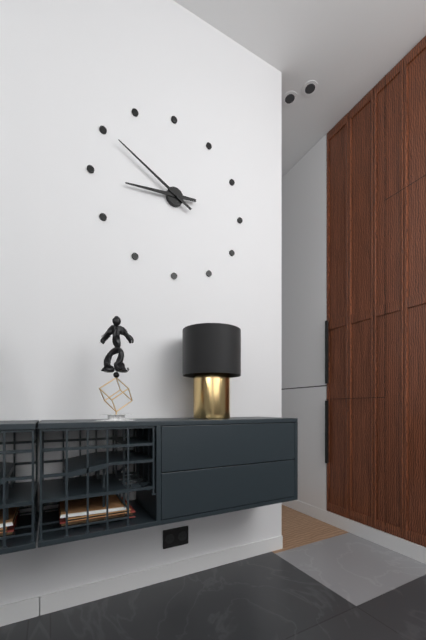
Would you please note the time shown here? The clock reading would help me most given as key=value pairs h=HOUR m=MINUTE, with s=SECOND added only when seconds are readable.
h=8 m=50
